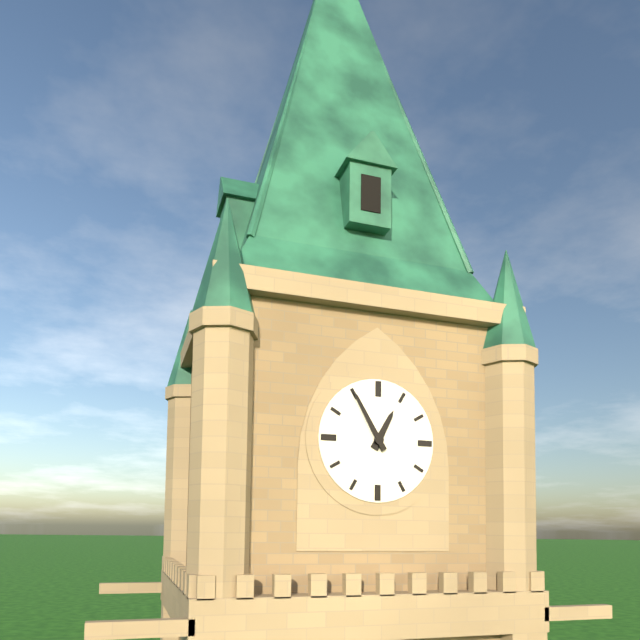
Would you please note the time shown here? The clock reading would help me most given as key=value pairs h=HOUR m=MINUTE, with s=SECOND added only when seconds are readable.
h=12 m=55
